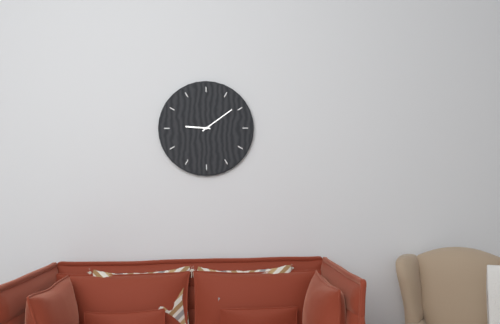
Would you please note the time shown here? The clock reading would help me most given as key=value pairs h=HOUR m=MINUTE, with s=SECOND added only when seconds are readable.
h=9 m=9
